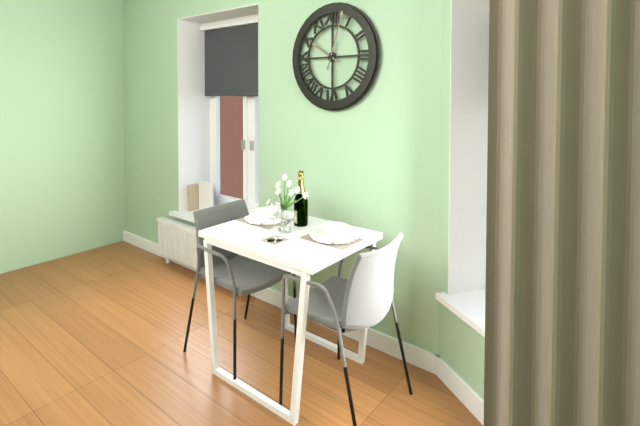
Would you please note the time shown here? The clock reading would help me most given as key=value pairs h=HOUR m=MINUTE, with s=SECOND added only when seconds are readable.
h=10 m=3
